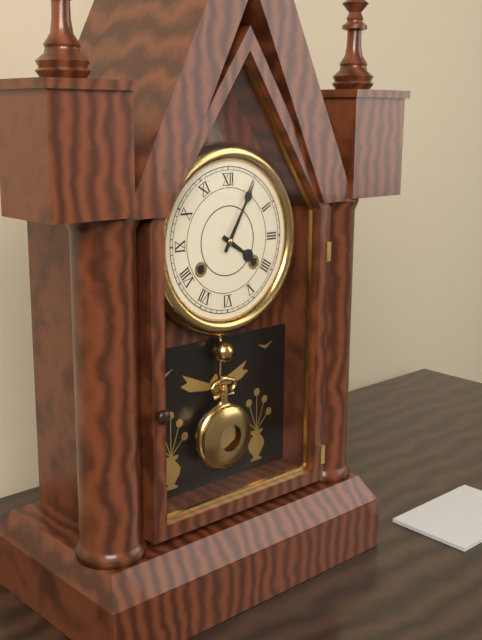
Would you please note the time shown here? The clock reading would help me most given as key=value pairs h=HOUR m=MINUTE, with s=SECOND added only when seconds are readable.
h=4 m=5
